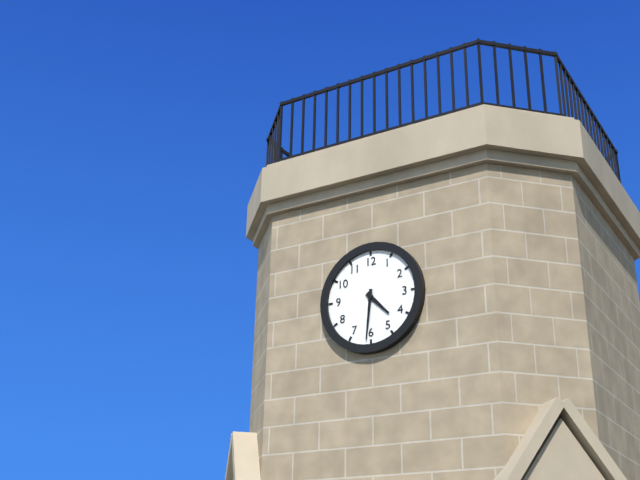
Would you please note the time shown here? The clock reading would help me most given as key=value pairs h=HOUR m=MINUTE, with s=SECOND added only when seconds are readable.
h=4 m=31
